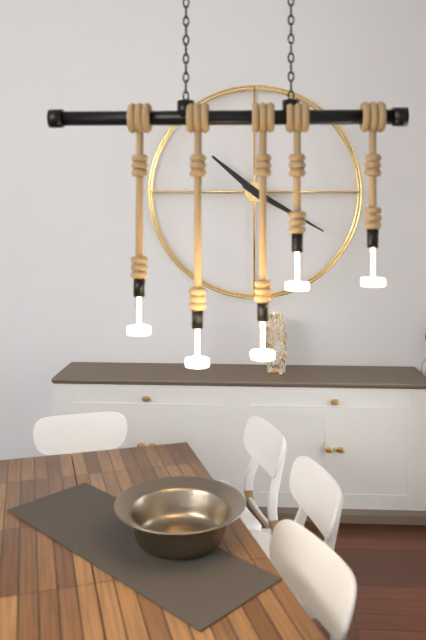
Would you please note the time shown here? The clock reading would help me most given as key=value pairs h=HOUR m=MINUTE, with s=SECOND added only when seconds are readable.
h=10 m=20
